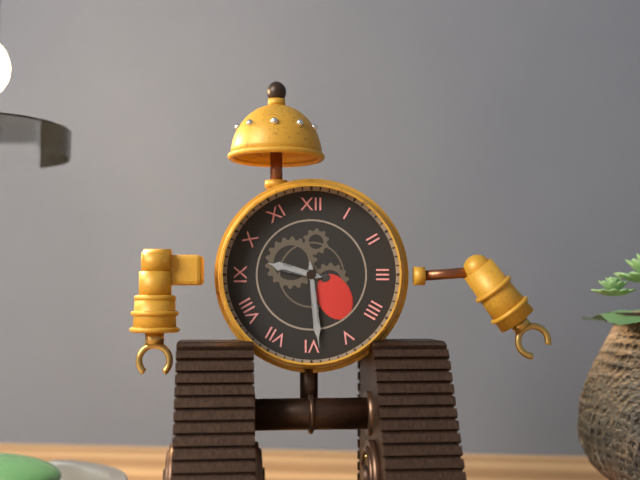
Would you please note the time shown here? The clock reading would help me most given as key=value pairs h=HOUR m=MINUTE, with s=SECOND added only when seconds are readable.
h=9 m=29
